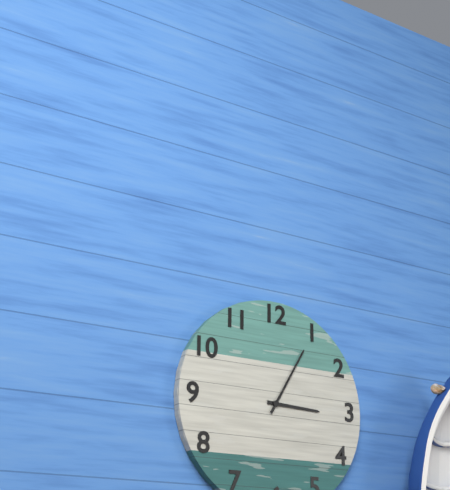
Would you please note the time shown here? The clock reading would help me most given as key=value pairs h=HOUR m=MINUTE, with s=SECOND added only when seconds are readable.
h=3 m=5
